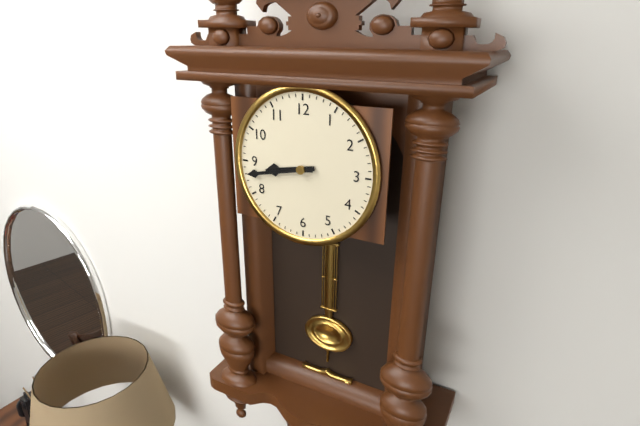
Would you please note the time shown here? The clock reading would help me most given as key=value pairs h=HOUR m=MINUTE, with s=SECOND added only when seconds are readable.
h=8 m=43
